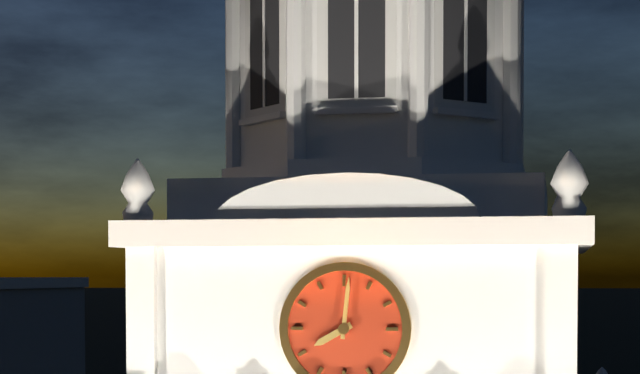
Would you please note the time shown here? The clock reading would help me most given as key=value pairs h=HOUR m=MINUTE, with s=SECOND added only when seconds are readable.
h=8 m=1
